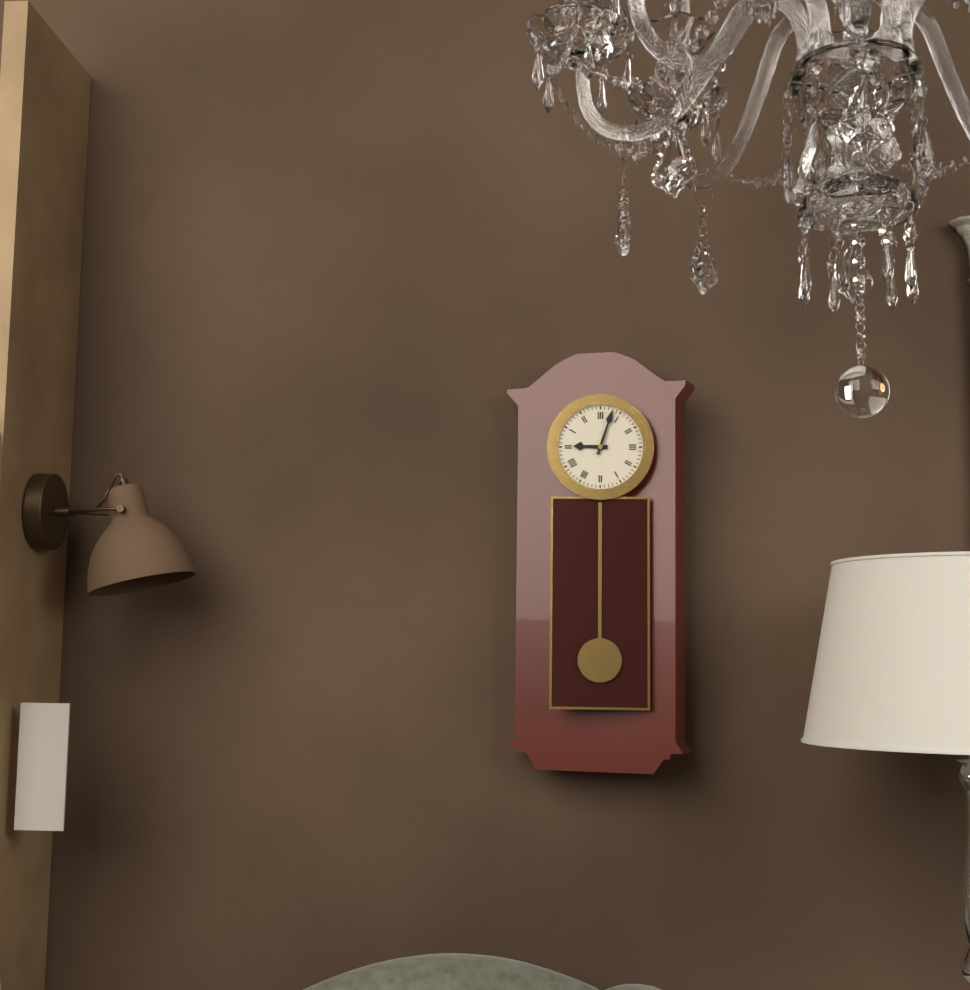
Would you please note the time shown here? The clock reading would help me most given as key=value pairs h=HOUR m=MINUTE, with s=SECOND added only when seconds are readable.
h=9 m=3
